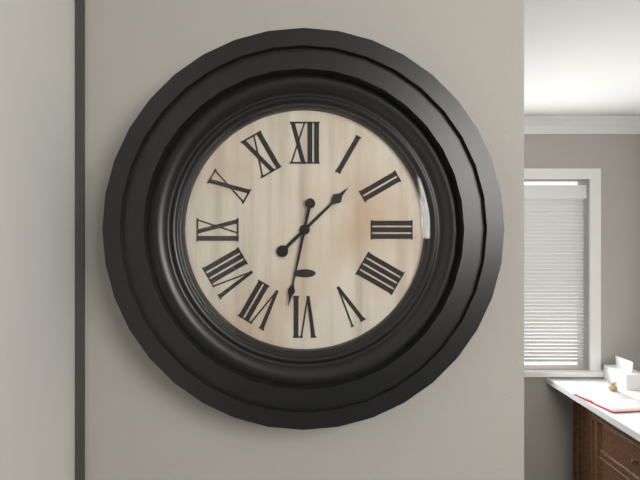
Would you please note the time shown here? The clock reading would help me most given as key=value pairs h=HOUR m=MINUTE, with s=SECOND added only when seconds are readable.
h=1 m=32
